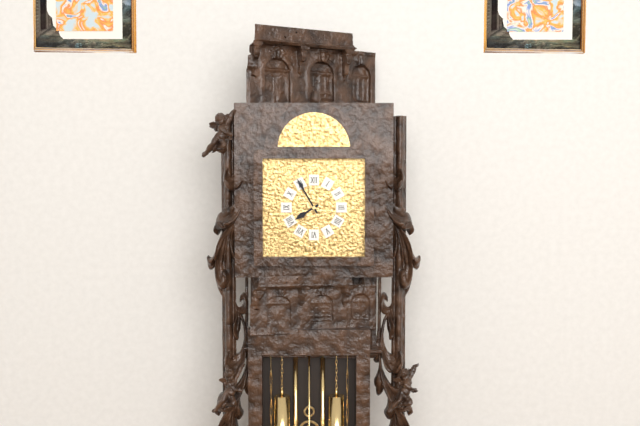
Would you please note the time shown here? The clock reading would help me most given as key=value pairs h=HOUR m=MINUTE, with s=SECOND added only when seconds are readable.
h=7 m=55
